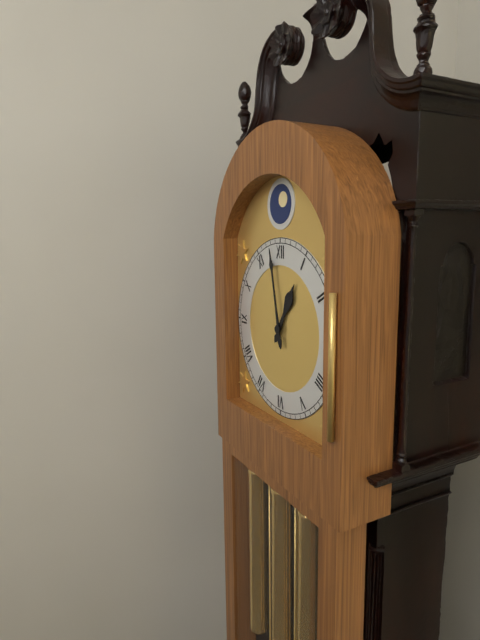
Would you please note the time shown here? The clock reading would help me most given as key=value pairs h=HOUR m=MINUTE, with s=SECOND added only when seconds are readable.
h=12 m=58
